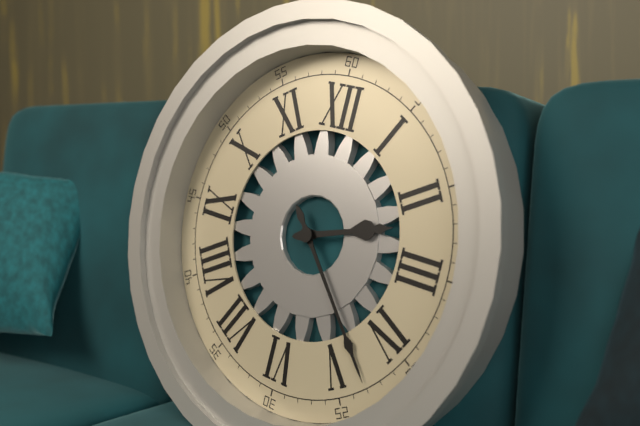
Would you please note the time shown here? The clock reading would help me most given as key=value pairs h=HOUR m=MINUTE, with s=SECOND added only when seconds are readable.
h=2 m=23
